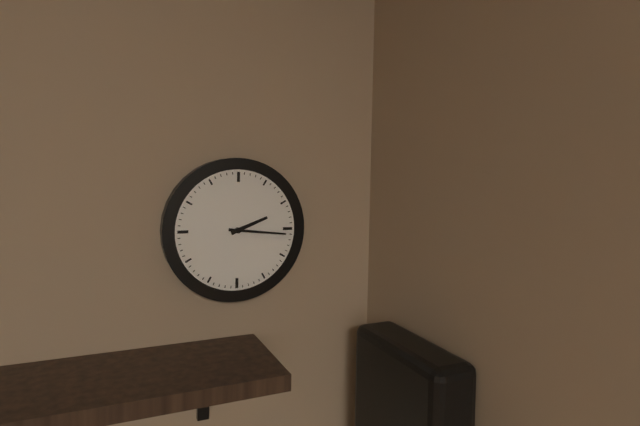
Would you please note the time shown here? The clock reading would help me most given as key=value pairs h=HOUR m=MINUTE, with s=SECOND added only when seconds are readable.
h=2 m=16
